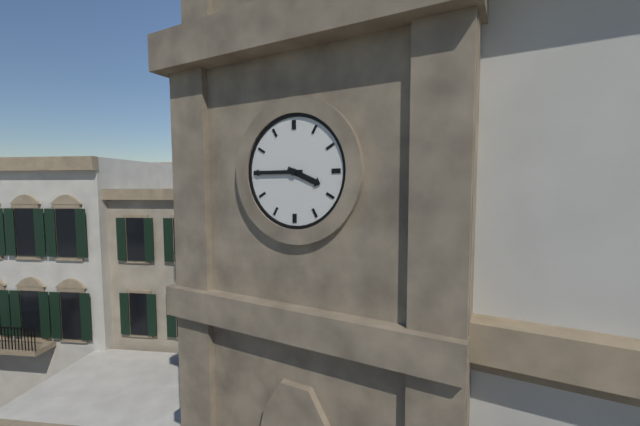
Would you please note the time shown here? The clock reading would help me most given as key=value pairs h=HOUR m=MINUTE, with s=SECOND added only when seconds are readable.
h=3 m=45
